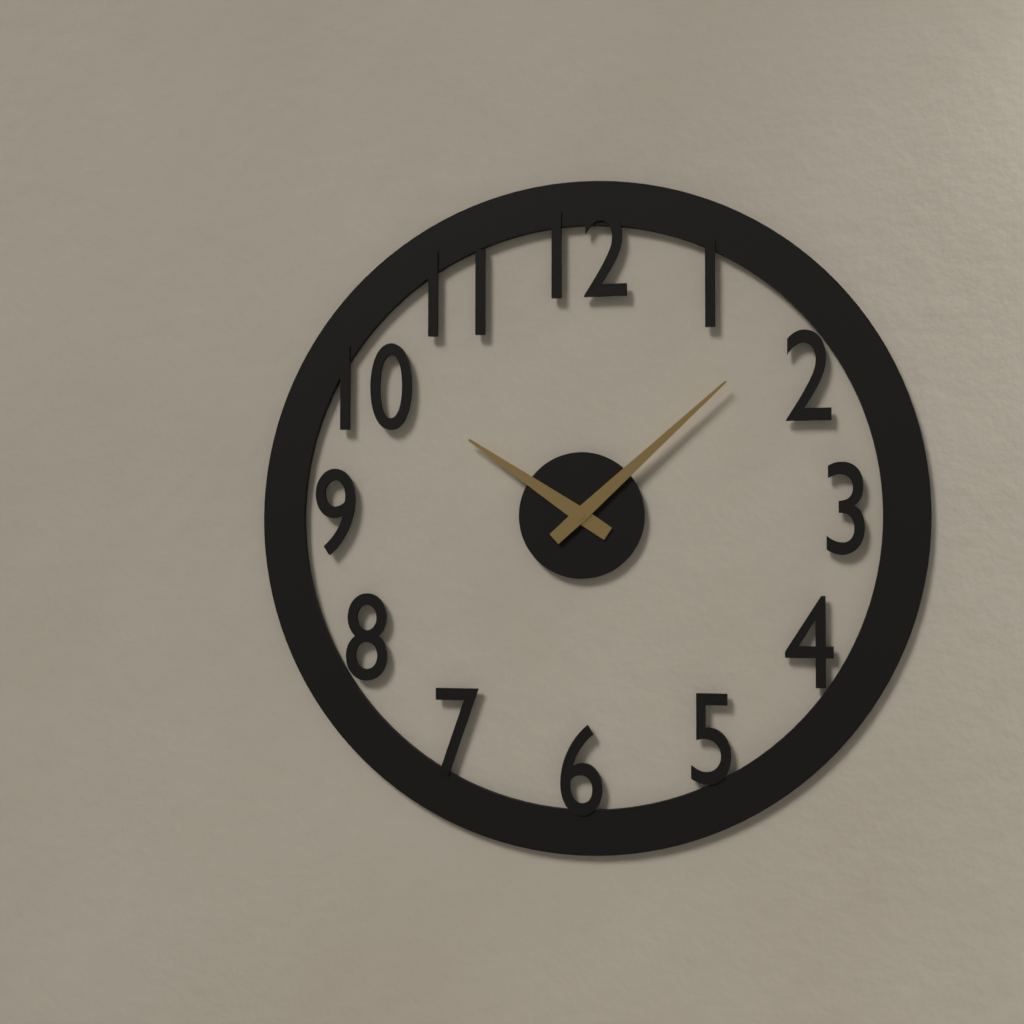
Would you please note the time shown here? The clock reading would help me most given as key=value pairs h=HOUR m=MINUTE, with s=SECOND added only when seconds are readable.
h=10 m=8
